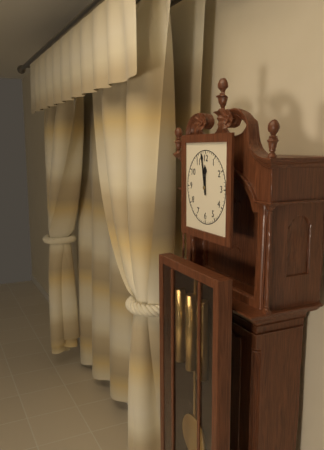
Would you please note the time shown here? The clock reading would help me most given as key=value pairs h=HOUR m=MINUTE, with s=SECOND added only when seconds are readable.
h=11 m=58
